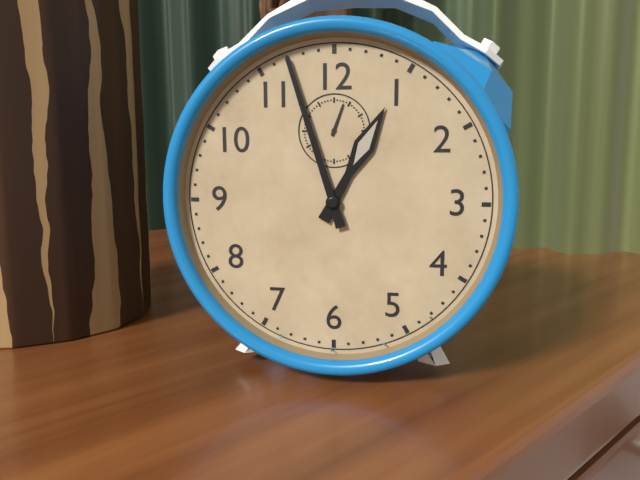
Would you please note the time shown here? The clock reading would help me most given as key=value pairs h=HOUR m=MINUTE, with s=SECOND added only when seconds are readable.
h=12 m=57
